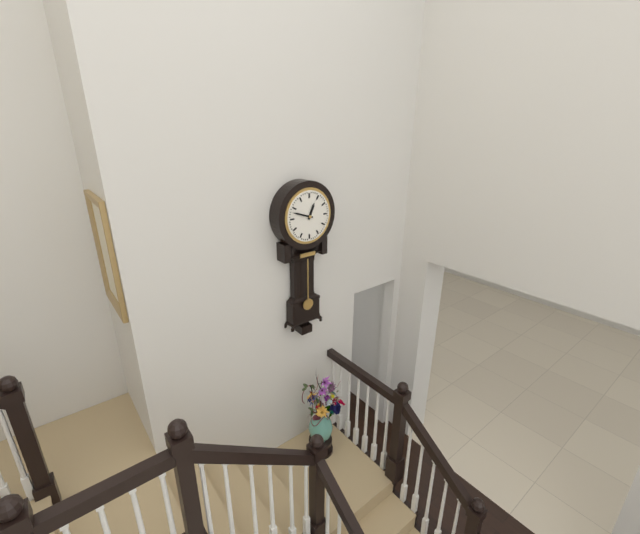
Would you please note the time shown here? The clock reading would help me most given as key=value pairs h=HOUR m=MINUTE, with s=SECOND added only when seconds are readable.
h=12 m=48
